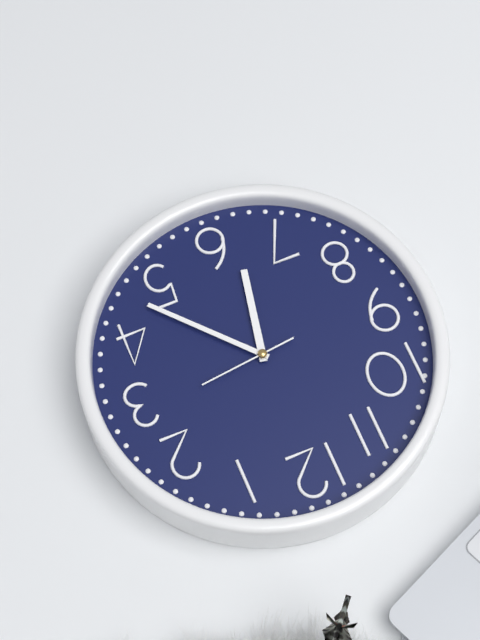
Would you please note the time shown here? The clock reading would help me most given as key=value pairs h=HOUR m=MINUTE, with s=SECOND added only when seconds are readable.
h=6 m=23 s=14
